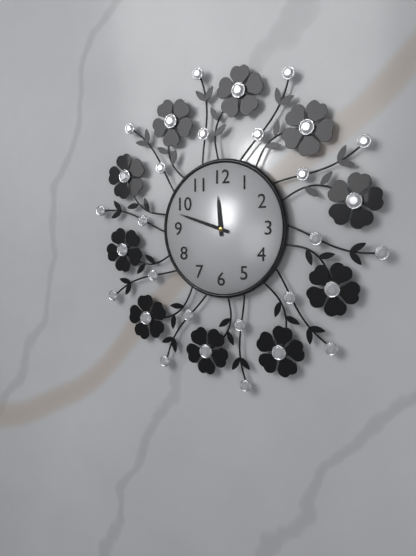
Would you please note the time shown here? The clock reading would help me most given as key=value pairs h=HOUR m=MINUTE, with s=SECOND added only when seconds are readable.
h=11 m=48
